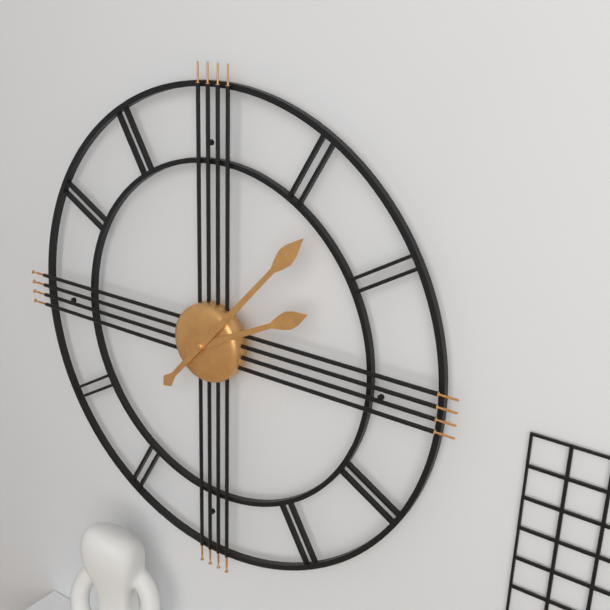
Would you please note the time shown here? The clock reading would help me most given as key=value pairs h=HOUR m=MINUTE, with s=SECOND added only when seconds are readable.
h=2 m=7
